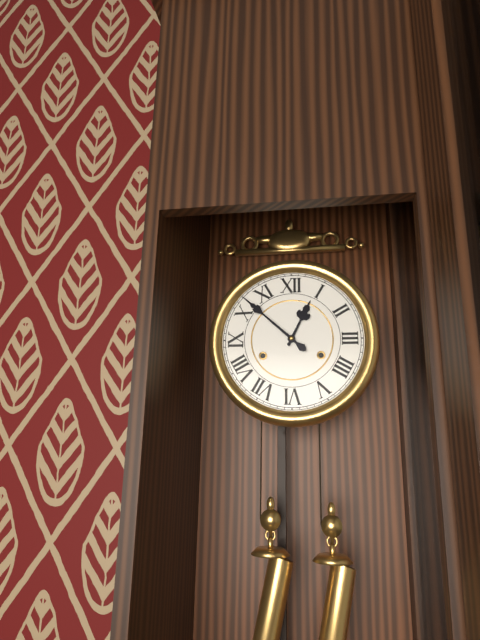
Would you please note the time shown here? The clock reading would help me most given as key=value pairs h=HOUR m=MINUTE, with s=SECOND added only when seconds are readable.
h=12 m=52
